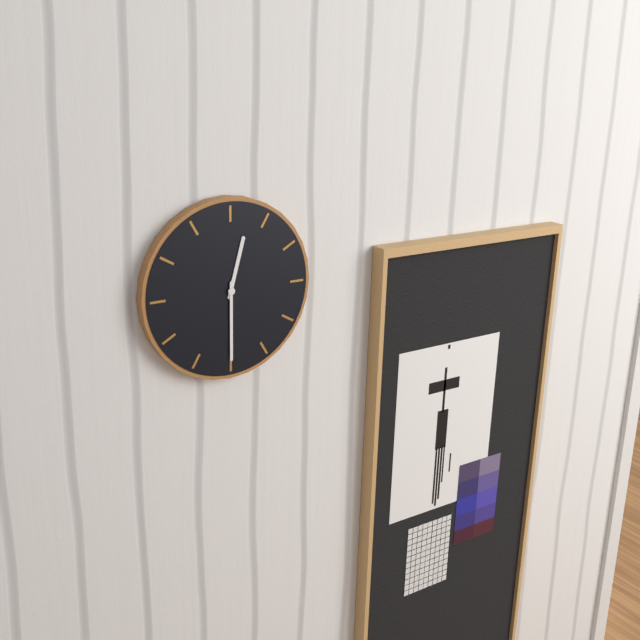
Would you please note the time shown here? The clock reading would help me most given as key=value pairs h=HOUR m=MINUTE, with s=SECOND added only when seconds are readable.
h=12 m=30
